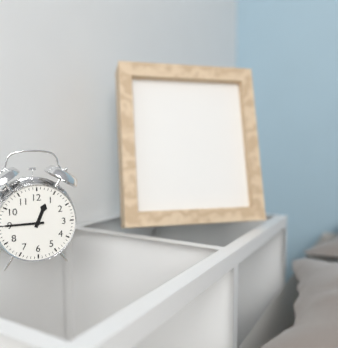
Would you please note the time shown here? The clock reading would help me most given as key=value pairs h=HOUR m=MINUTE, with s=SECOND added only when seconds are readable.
h=12 m=45
